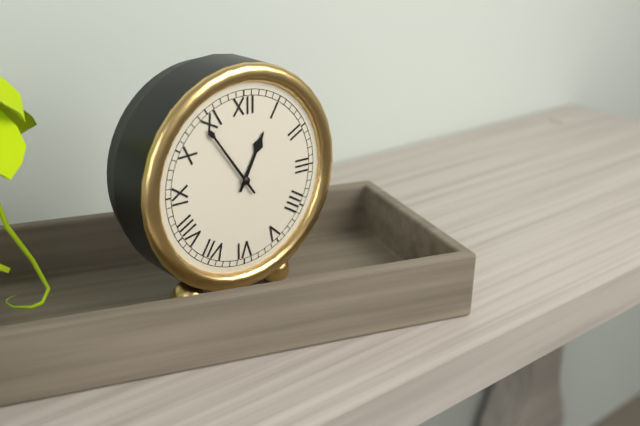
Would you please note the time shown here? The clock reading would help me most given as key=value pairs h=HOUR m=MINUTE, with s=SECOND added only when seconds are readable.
h=12 m=54
